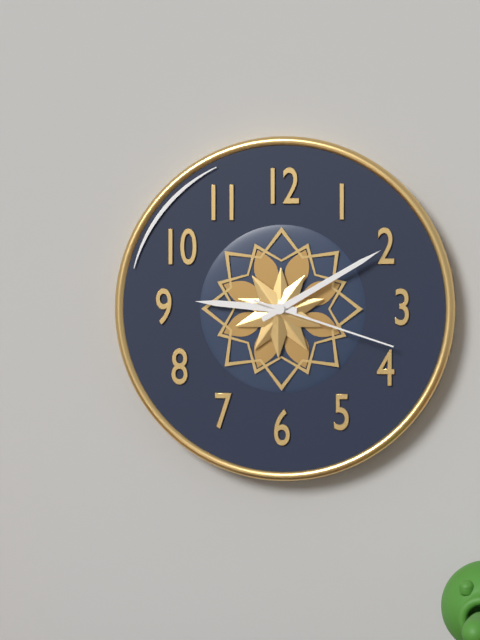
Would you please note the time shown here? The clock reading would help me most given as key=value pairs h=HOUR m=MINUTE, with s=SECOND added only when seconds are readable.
h=9 m=10 s=18
